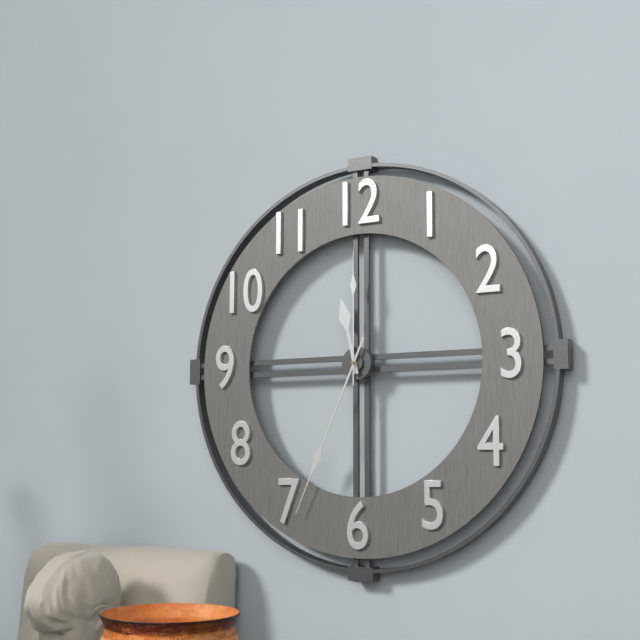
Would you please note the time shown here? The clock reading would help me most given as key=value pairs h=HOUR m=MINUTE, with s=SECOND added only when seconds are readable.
h=11 m=34 s=0
